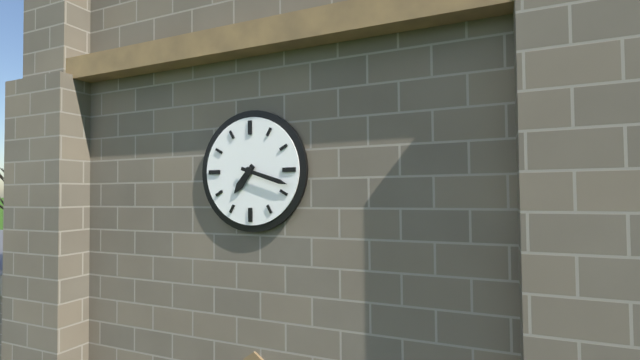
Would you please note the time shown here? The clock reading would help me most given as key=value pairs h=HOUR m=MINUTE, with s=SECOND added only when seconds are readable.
h=7 m=18
